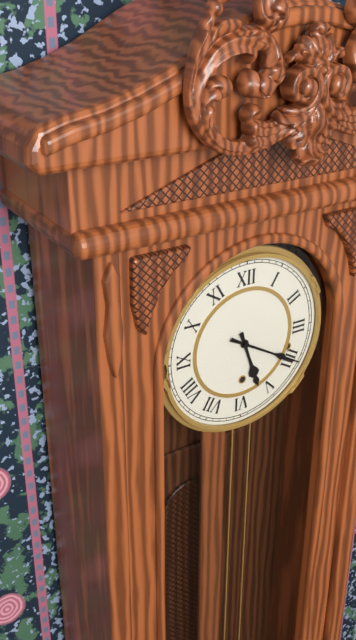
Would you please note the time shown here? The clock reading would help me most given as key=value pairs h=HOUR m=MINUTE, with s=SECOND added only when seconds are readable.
h=5 m=20
